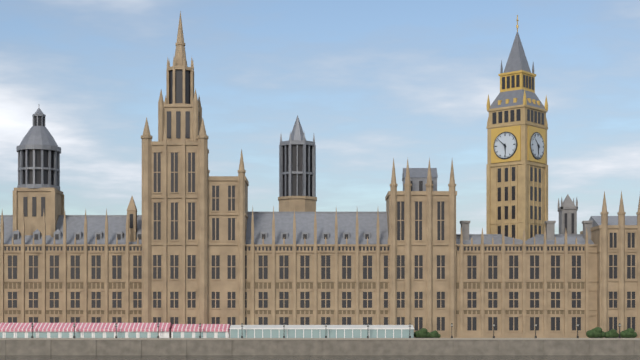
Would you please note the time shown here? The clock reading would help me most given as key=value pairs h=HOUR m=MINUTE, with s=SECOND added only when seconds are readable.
h=5 m=52
